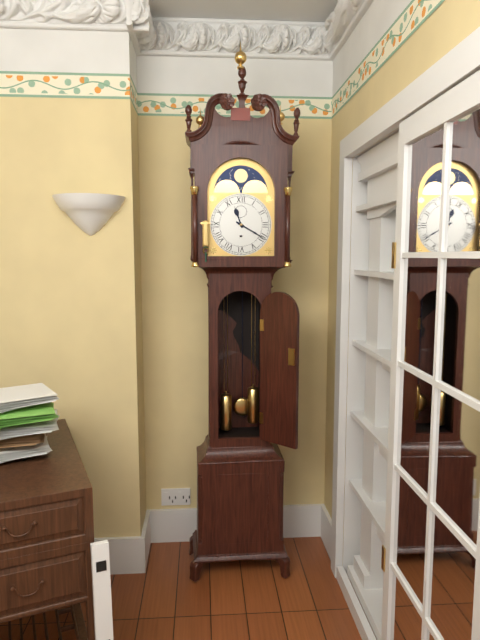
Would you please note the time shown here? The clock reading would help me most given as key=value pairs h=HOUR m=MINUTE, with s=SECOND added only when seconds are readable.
h=11 m=20
